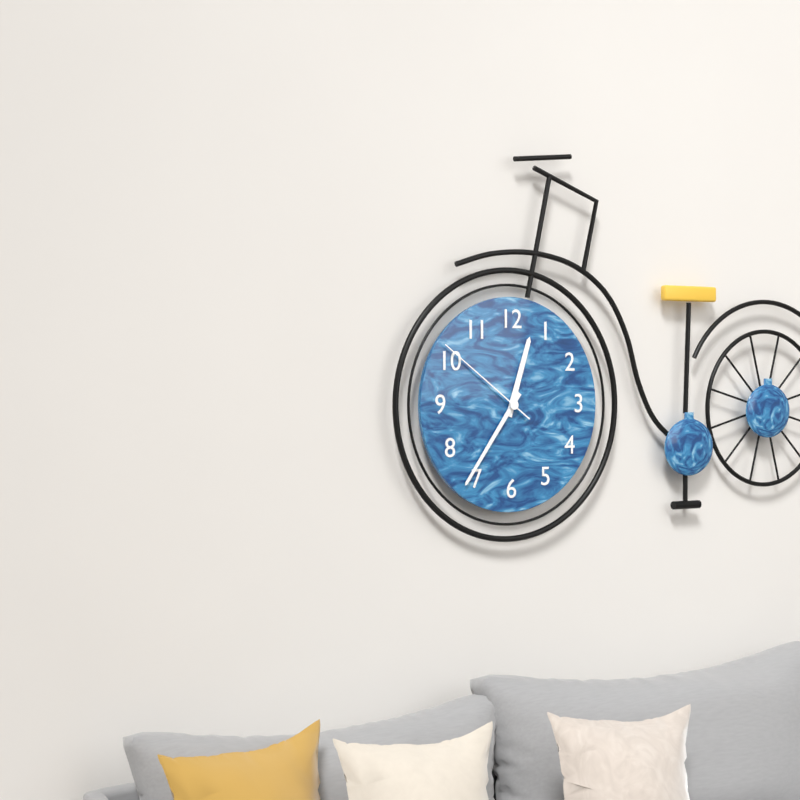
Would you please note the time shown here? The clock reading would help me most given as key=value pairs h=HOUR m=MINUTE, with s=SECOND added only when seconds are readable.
h=12 m=36 s=51
